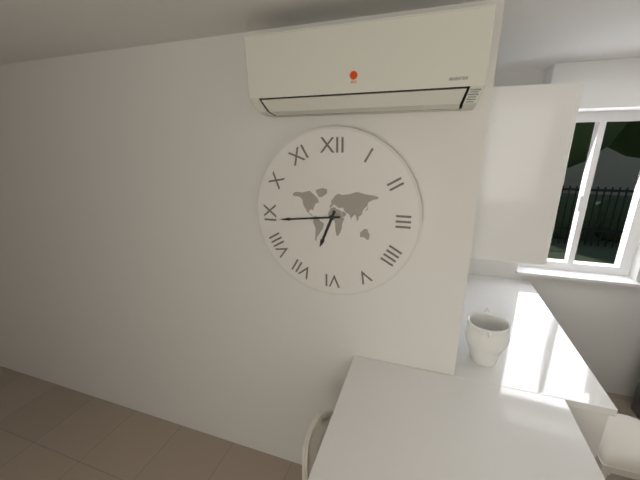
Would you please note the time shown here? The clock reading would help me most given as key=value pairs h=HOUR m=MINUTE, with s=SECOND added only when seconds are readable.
h=6 m=44
